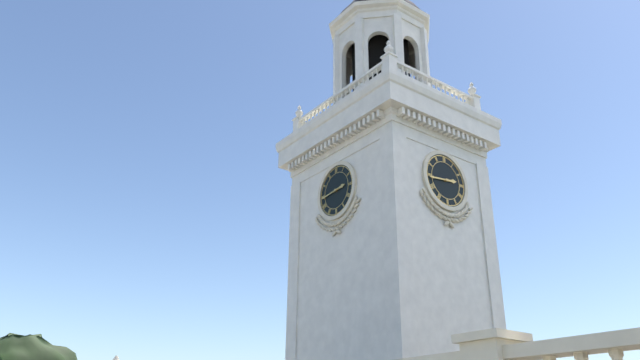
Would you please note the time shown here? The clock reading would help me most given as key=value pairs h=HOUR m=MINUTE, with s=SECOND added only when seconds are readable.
h=2 m=44
